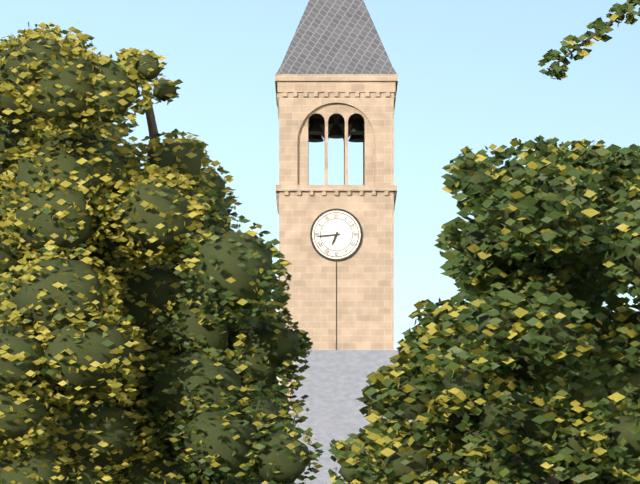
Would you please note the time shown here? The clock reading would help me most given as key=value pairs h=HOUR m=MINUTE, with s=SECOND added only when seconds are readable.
h=6 m=44
